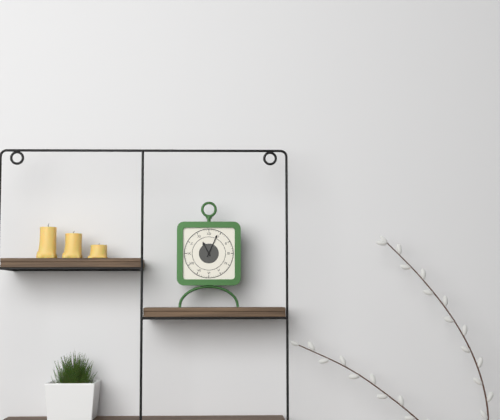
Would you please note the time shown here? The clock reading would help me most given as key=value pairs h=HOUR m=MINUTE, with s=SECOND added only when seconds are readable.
h=11 m=4
